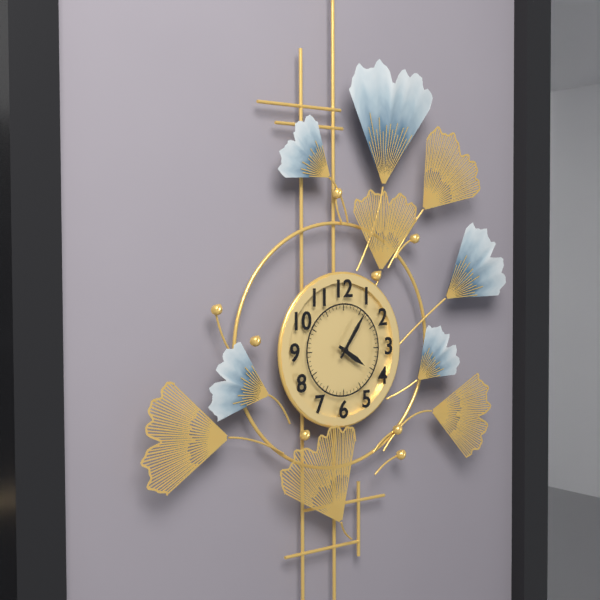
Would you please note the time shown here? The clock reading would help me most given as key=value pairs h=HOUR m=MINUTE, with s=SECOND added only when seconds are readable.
h=4 m=6
